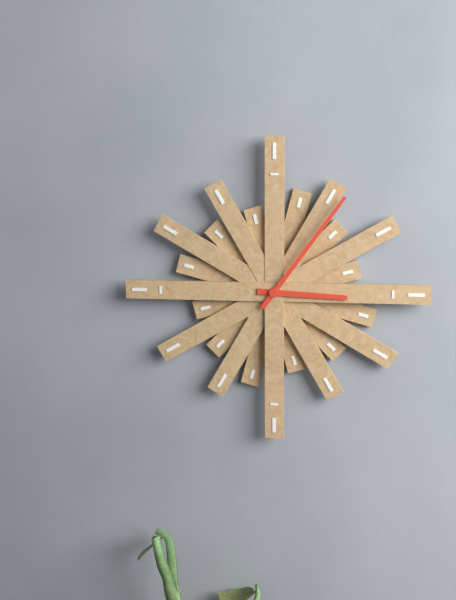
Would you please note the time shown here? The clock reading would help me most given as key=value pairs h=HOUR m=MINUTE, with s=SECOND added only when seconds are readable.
h=3 m=6
